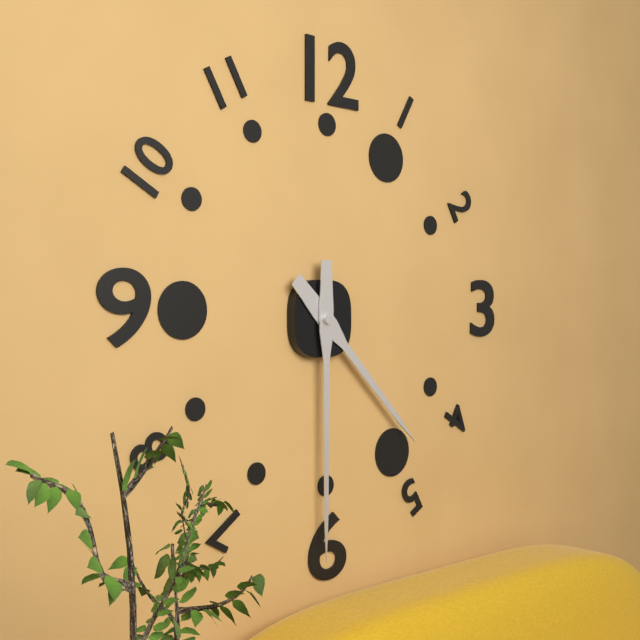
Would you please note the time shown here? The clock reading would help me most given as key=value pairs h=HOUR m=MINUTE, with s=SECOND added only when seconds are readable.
h=4 m=30
